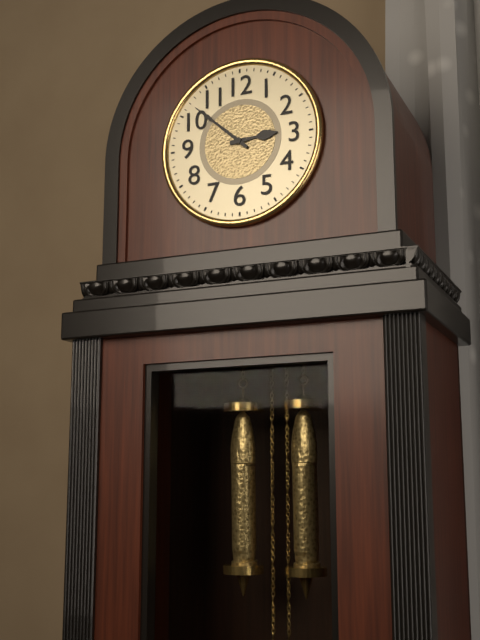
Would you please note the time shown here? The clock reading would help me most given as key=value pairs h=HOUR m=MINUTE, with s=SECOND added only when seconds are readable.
h=2 m=52
